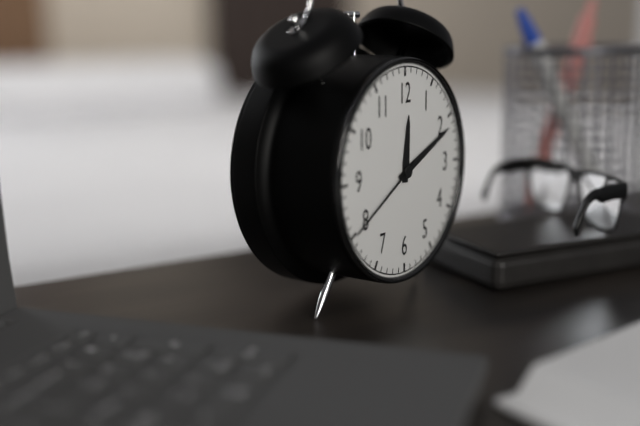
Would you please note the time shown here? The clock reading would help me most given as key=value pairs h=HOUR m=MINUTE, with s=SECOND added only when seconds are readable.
h=12 m=11 s=40
